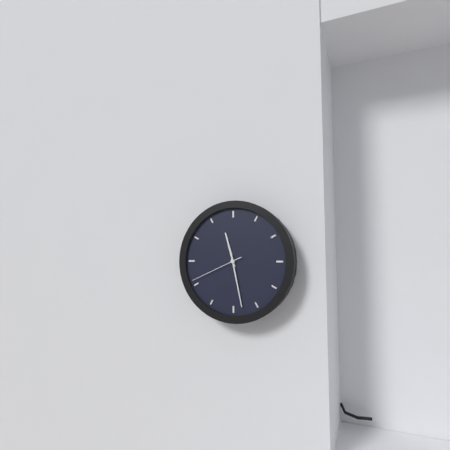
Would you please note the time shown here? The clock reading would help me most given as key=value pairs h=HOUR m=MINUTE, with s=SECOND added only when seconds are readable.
h=11 m=28 s=41
